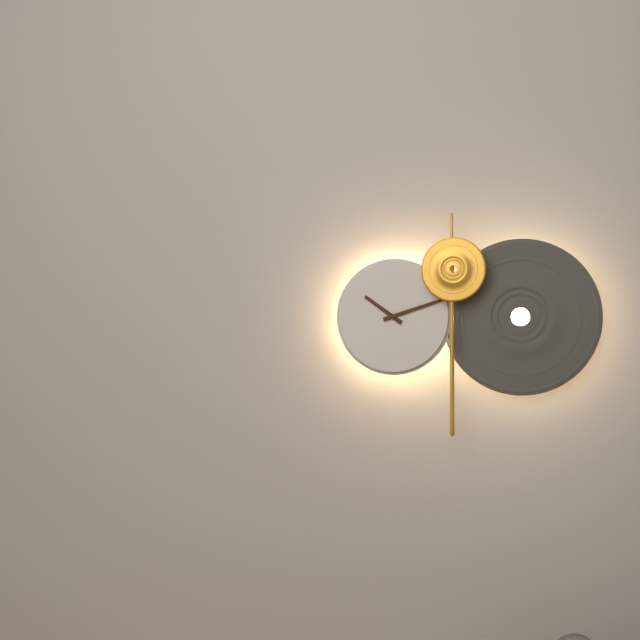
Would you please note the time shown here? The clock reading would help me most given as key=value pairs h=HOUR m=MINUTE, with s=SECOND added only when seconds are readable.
h=10 m=12
